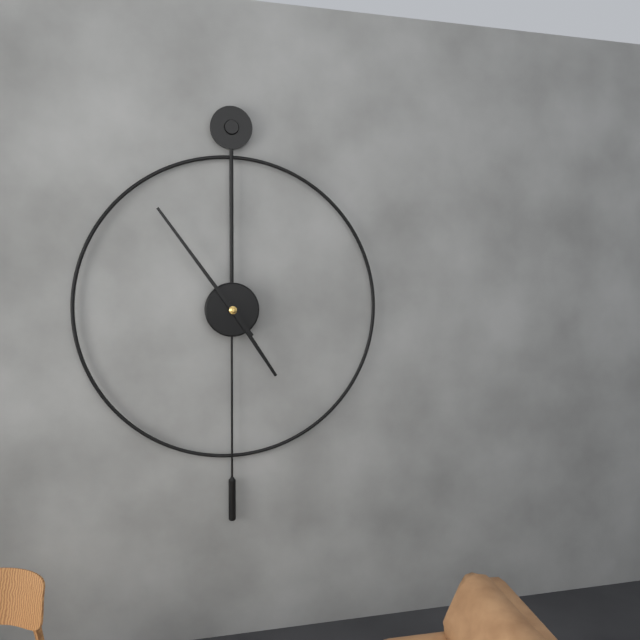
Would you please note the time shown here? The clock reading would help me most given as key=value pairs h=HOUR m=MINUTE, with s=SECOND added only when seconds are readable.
h=4 m=54
